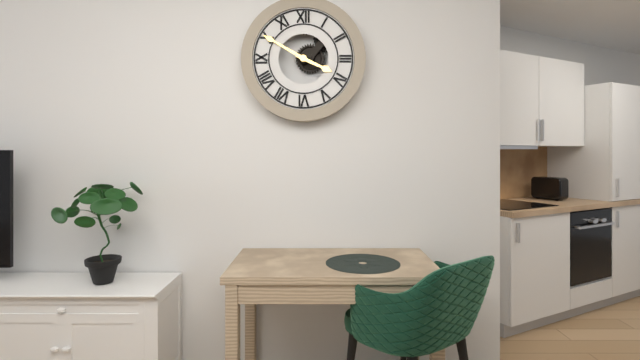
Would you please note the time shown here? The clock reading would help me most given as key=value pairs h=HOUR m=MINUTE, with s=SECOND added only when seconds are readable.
h=3 m=50
